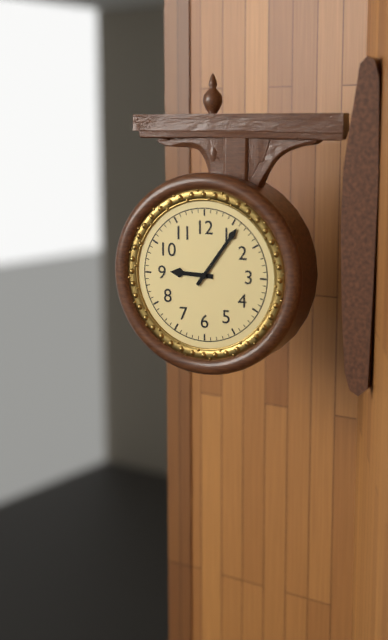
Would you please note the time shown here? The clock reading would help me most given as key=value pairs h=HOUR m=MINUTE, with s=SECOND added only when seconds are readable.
h=9 m=6
